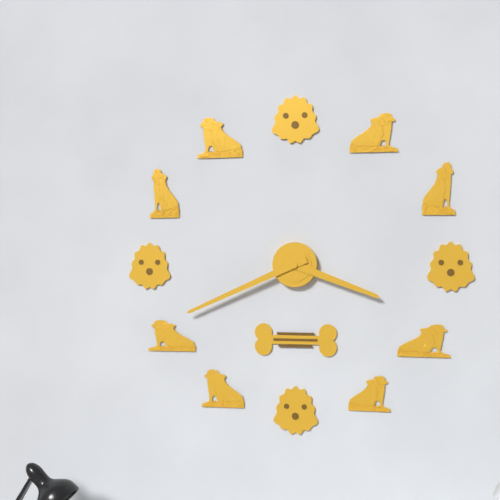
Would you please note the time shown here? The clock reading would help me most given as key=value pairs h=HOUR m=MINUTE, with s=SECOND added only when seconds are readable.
h=3 m=41
